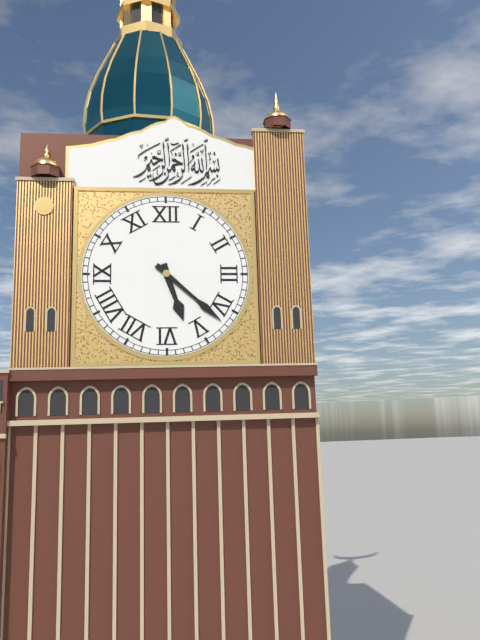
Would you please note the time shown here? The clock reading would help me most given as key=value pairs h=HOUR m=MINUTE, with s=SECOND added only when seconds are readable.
h=5 m=22
